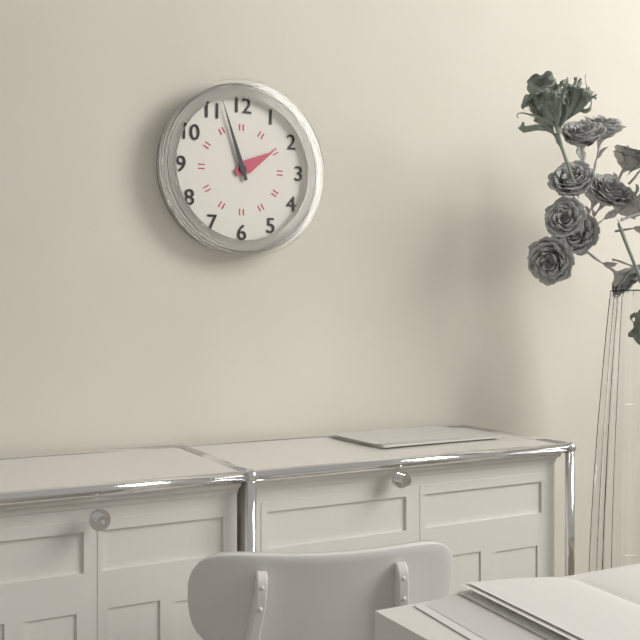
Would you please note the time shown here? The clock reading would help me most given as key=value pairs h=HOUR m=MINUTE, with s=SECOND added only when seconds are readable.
h=1 m=57
